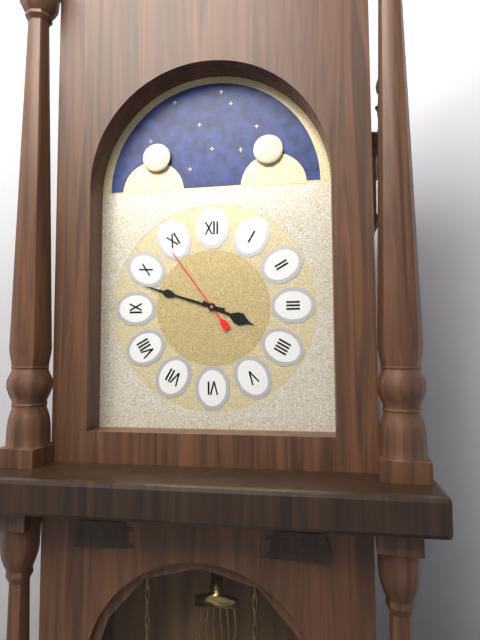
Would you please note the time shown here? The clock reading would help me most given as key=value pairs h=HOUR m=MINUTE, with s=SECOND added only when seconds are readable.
h=3 m=48 s=54
